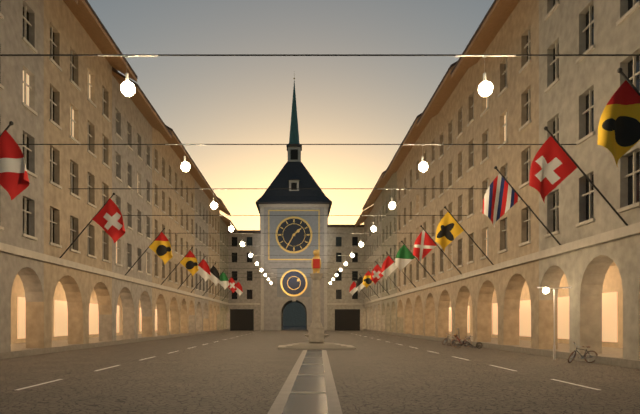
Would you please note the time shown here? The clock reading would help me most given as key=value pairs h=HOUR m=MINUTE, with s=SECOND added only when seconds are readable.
h=1 m=35
